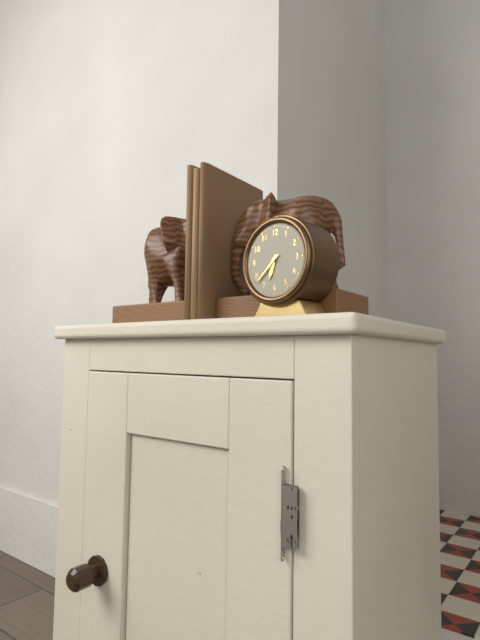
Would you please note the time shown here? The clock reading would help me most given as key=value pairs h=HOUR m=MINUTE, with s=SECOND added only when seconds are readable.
h=6 m=38
